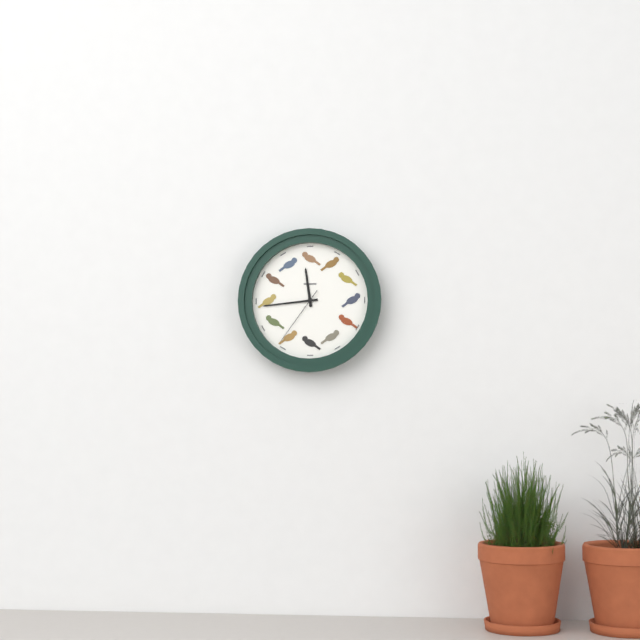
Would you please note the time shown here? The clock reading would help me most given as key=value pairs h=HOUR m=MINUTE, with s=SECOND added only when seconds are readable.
h=11 m=44 s=36
